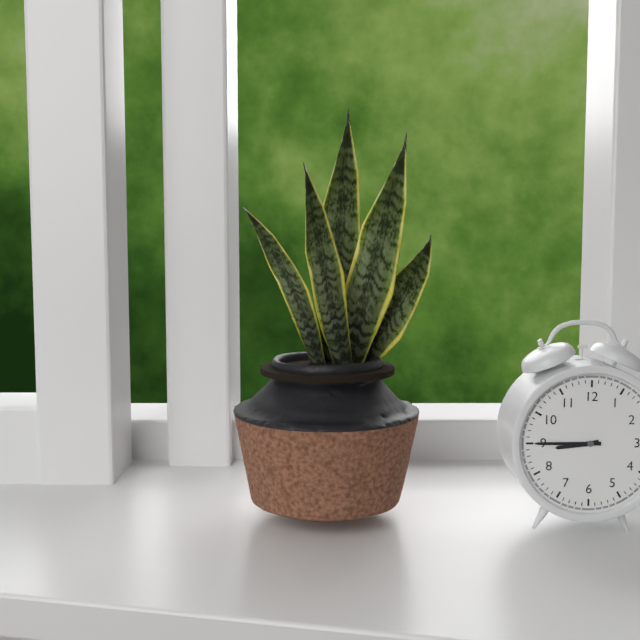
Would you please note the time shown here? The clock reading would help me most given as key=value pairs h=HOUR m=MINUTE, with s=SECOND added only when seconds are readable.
h=8 m=45
